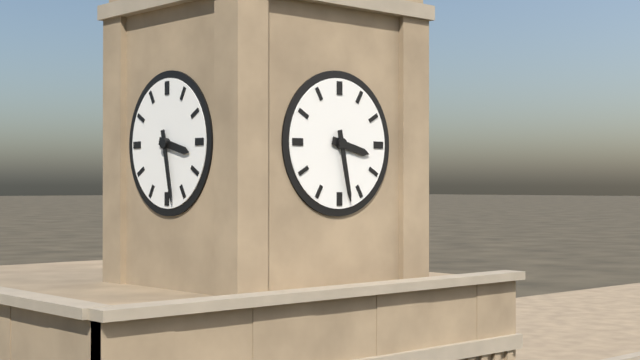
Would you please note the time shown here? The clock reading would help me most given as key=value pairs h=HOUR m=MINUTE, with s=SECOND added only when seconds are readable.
h=3 m=28
